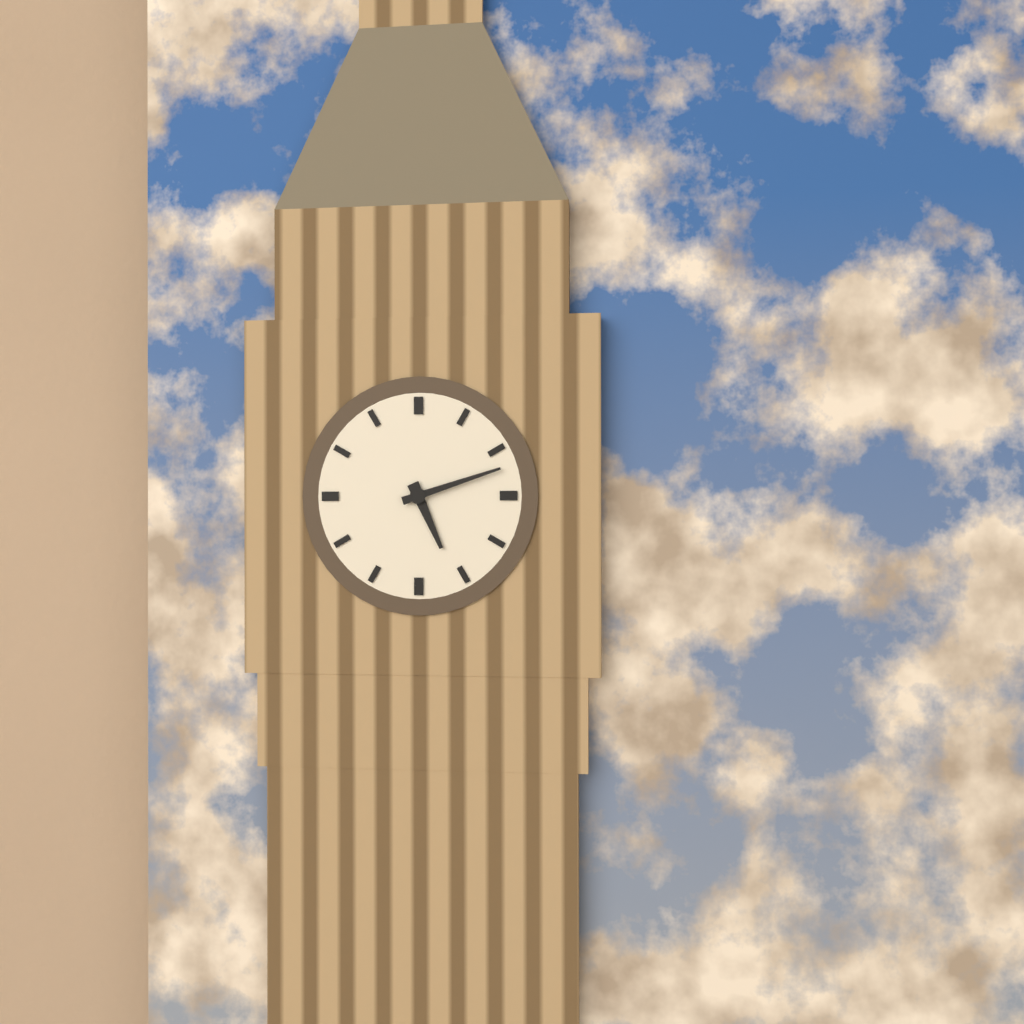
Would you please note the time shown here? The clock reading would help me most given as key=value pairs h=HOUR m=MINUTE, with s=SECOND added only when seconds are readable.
h=5 m=12
